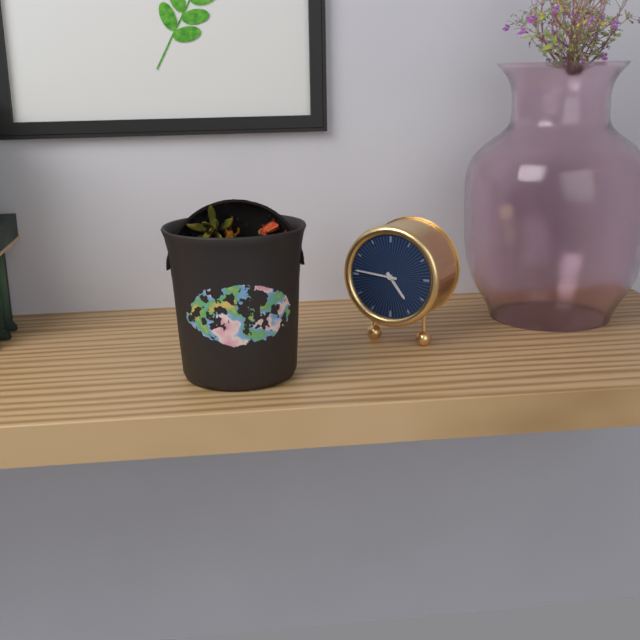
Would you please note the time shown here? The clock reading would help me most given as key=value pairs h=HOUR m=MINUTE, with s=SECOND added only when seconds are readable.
h=4 m=46
